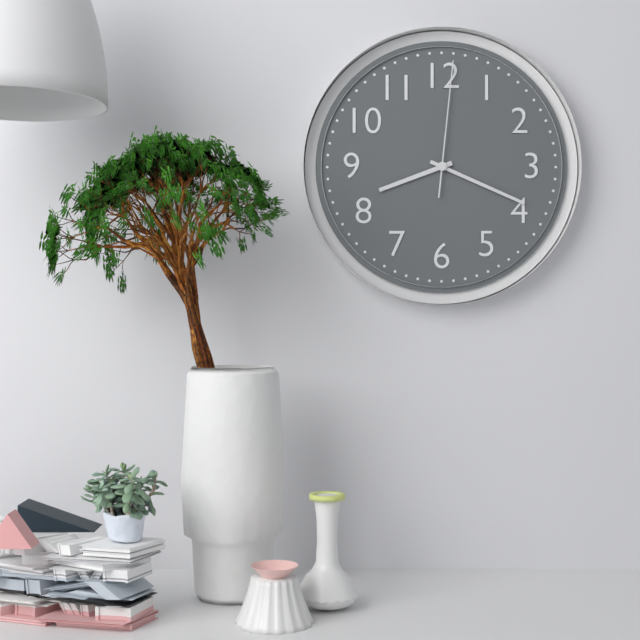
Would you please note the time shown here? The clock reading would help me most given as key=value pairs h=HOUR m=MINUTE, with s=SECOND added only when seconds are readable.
h=8 m=19 s=1
